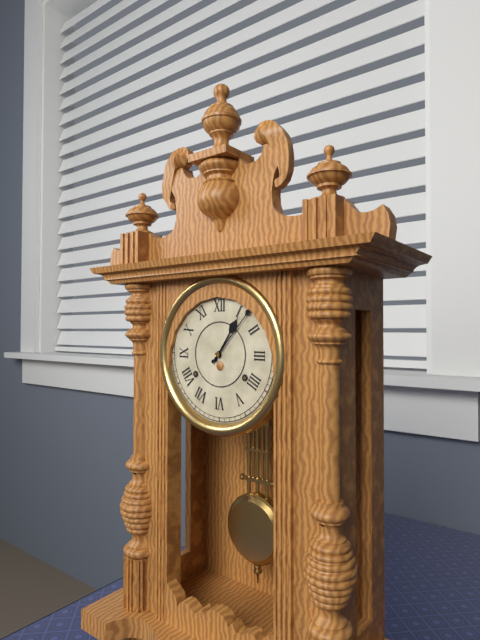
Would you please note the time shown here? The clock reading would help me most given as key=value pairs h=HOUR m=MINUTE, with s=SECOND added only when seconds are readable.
h=1 m=7
